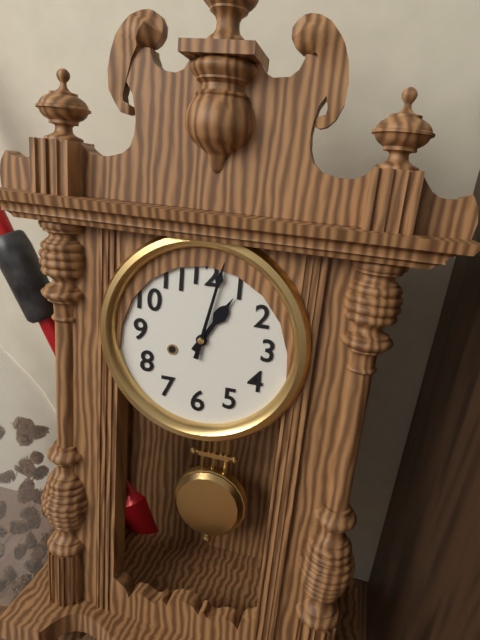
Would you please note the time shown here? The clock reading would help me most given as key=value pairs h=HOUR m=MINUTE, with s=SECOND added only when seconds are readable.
h=1 m=2
